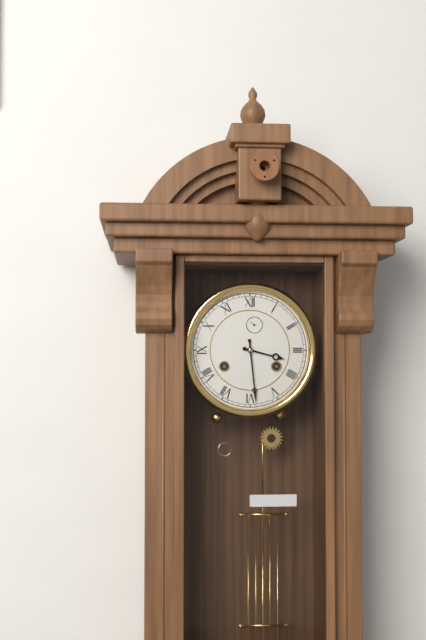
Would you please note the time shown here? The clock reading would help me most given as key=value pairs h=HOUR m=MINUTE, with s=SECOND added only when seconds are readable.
h=3 m=29
